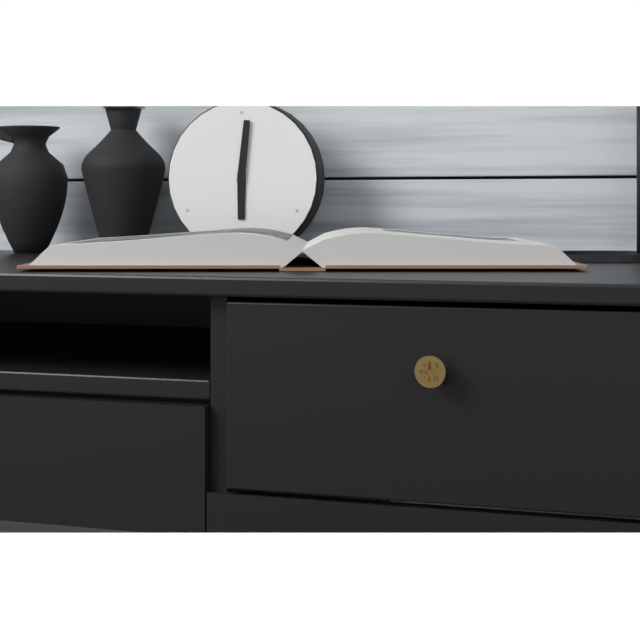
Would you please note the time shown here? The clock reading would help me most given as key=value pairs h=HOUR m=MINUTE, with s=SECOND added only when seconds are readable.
h=6 m=1
